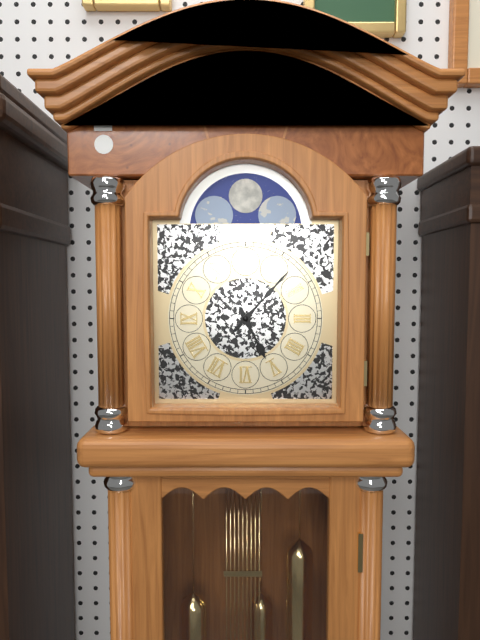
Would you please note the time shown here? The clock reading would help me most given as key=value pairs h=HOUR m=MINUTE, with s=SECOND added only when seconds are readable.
h=5 m=7
